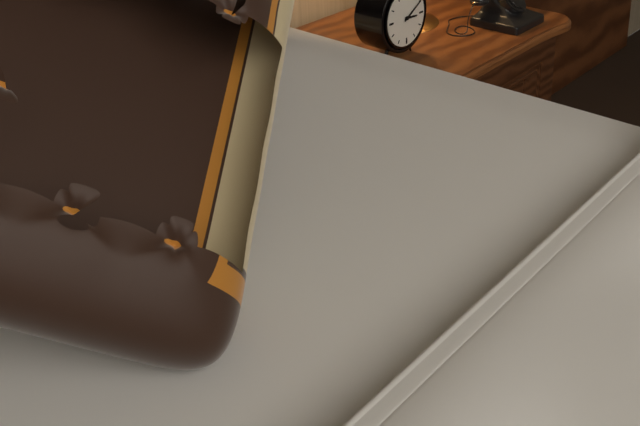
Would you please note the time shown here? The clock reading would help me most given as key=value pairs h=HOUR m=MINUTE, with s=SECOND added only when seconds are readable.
h=3 m=10
